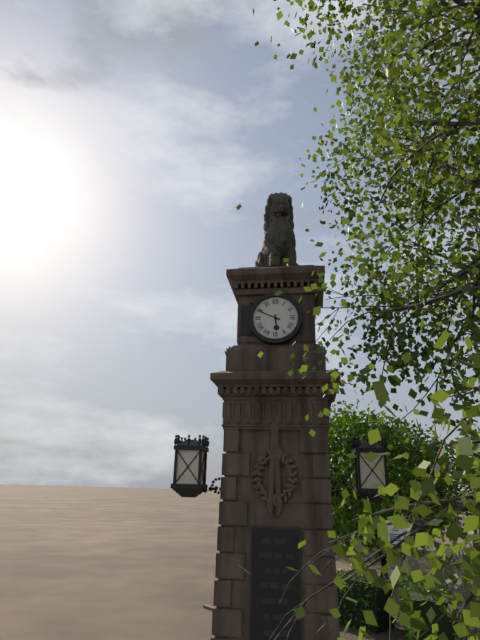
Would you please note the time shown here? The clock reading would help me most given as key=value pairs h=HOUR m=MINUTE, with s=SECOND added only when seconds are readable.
h=5 m=49
